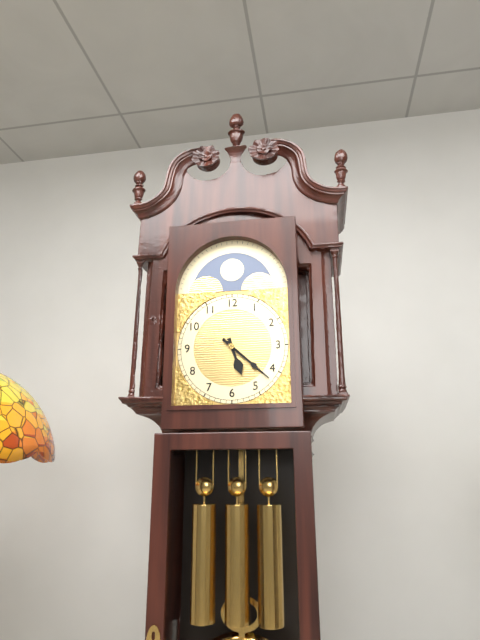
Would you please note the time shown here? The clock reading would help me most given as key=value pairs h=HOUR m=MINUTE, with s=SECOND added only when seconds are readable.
h=5 m=22
